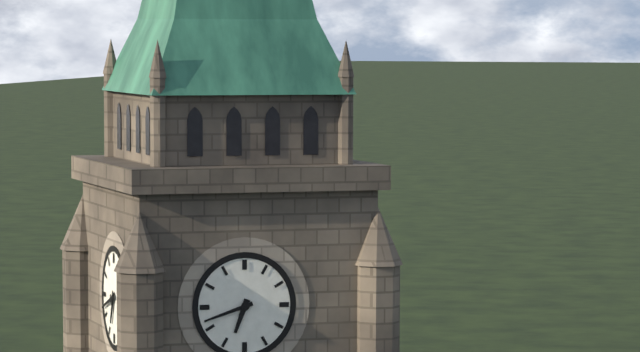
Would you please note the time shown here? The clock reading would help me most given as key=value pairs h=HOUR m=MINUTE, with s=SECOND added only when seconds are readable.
h=6 m=42
